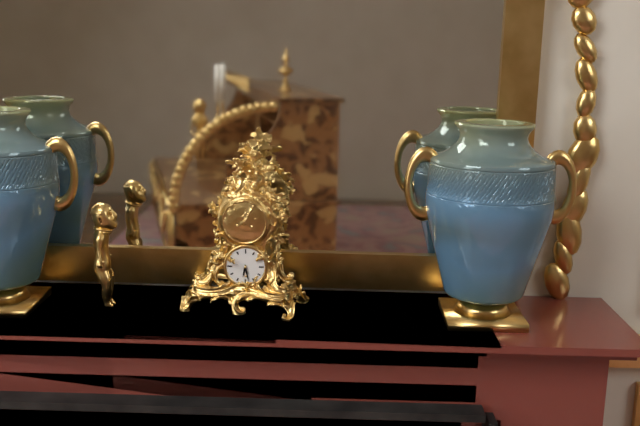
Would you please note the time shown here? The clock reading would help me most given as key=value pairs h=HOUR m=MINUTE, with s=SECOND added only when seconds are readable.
h=6 m=28
